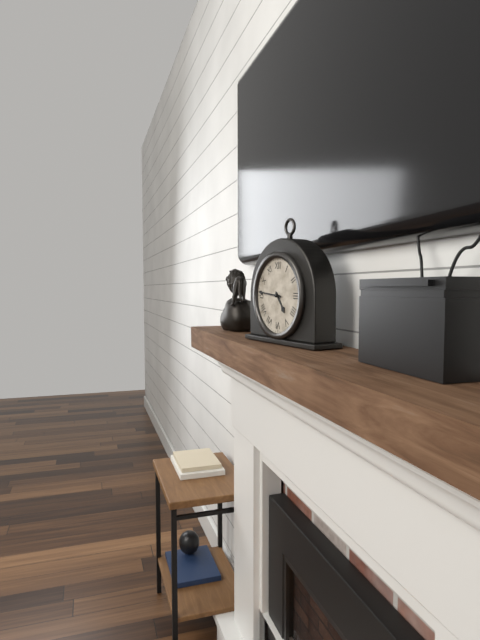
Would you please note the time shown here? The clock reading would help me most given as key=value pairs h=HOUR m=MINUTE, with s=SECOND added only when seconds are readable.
h=4 m=46
